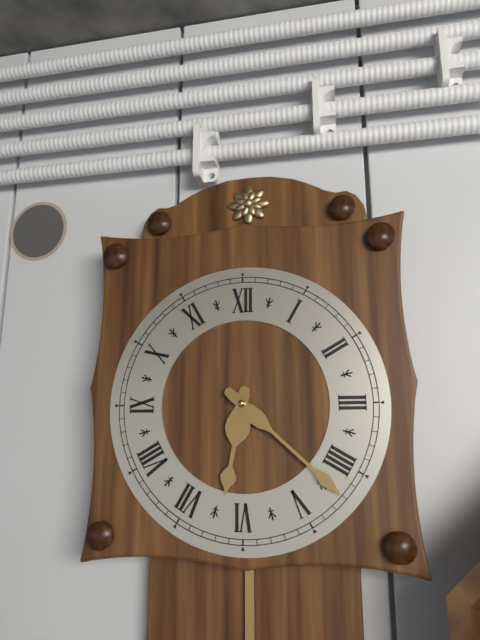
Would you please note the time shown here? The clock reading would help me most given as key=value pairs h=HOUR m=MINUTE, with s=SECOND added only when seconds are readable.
h=6 m=22
